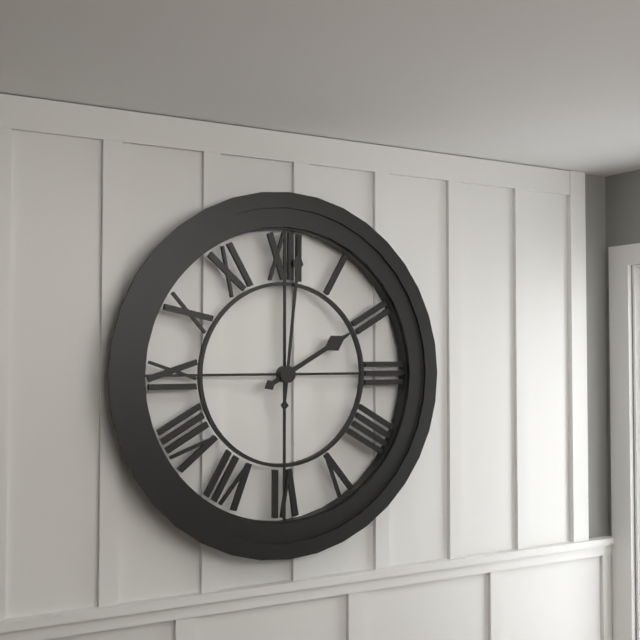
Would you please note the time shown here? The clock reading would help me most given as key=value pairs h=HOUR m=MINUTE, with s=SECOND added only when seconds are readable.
h=2 m=1
